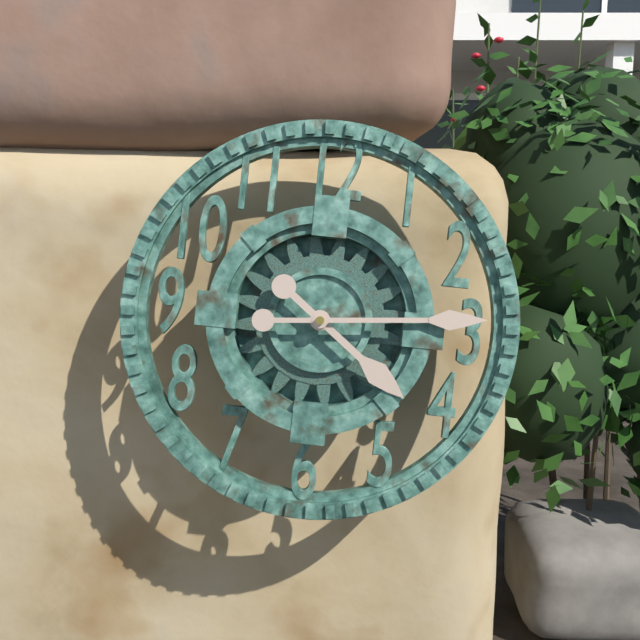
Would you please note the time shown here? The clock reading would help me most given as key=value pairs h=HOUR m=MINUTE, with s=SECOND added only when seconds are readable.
h=4 m=14
